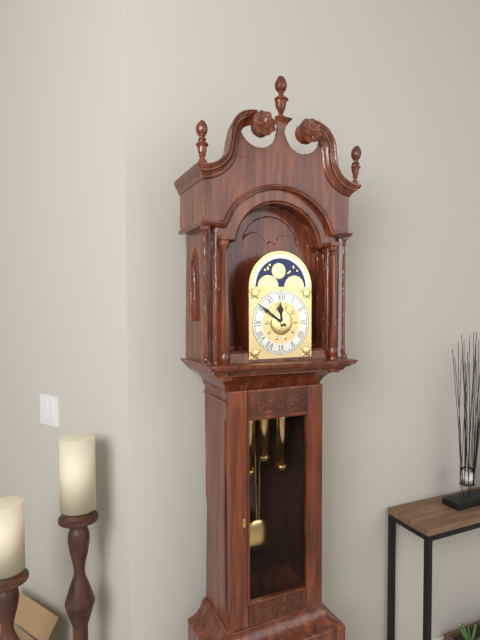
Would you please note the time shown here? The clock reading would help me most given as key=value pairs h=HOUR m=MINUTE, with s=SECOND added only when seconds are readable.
h=11 m=51
